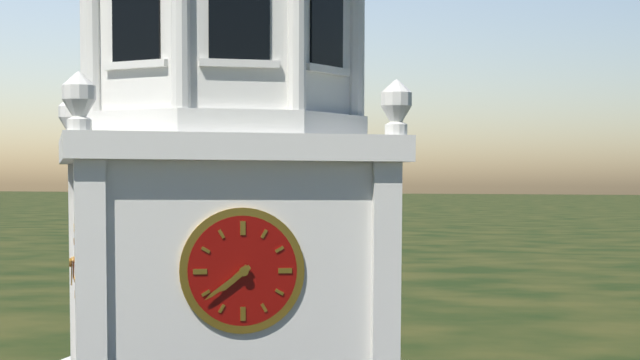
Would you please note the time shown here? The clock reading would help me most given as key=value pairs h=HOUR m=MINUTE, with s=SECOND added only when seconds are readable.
h=7 m=39
